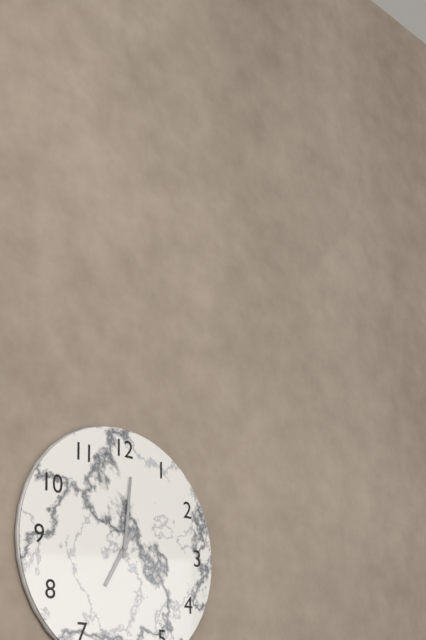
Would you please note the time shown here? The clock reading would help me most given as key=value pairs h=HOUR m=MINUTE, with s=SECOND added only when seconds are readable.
h=7 m=1
